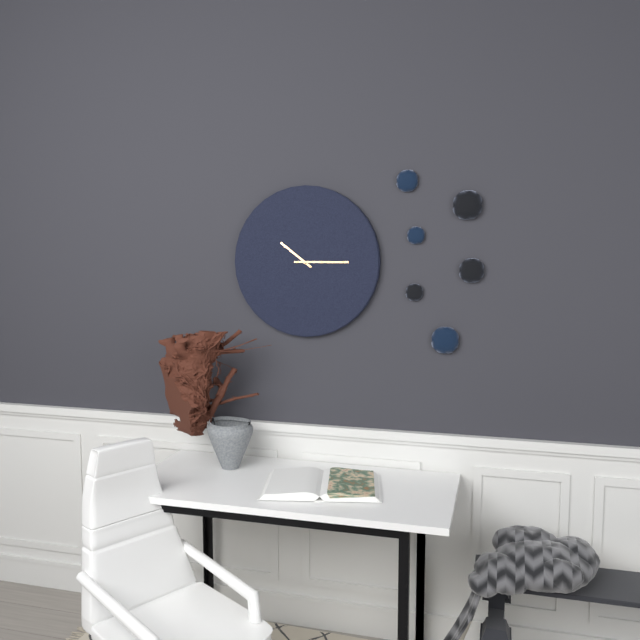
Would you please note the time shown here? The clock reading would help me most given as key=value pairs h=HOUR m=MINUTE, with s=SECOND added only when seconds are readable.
h=10 m=15
